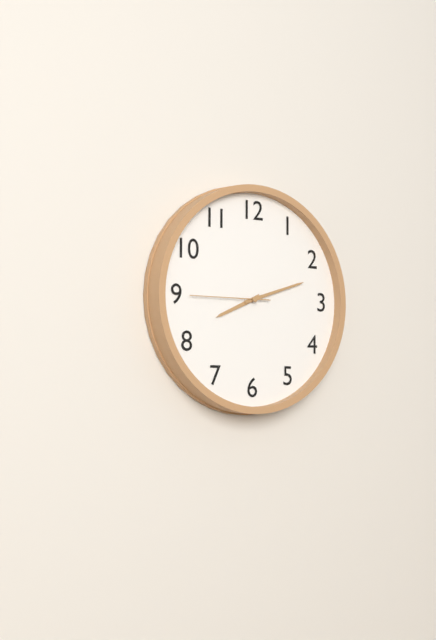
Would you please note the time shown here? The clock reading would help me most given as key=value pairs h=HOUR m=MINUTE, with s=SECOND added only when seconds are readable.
h=8 m=12 s=45
